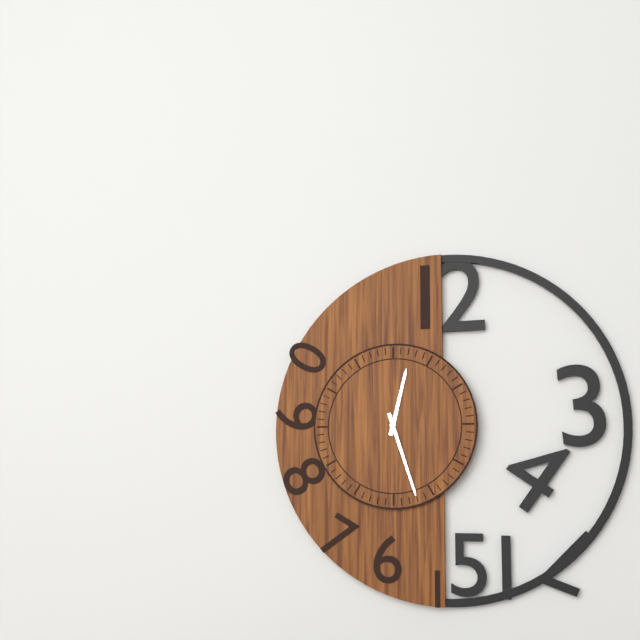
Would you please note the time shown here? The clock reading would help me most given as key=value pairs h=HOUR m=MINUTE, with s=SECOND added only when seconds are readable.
h=12 m=27
